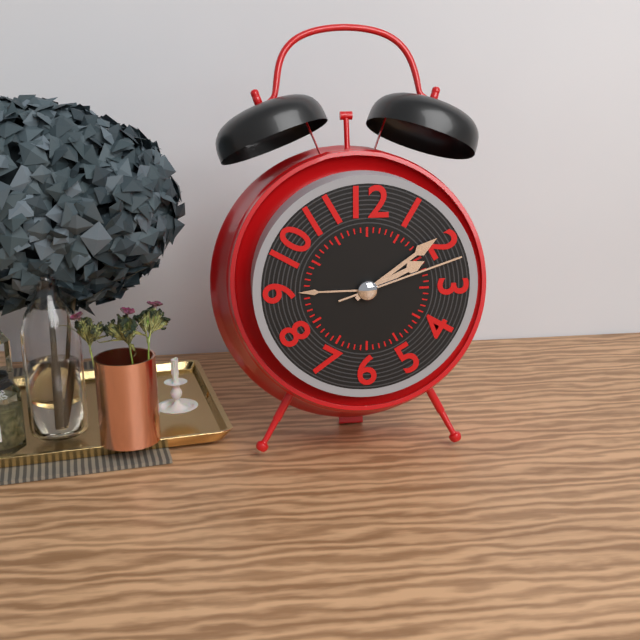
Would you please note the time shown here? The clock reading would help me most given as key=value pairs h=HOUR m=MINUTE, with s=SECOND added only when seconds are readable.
h=2 m=9 s=12
